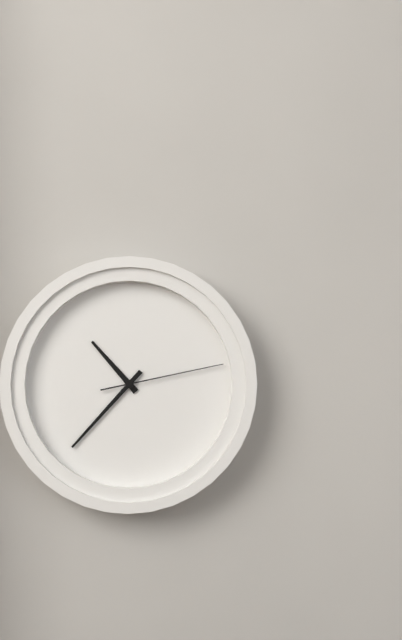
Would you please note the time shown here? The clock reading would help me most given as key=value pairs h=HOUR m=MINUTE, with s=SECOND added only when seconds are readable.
h=10 m=37 s=13
